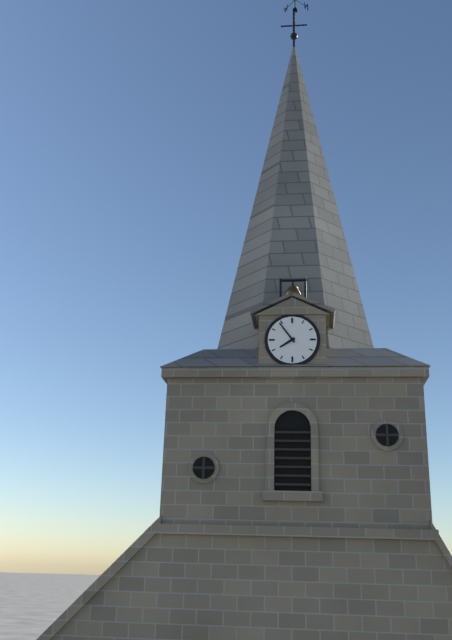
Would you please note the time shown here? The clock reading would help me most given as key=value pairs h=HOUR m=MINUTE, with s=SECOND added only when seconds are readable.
h=7 m=54
